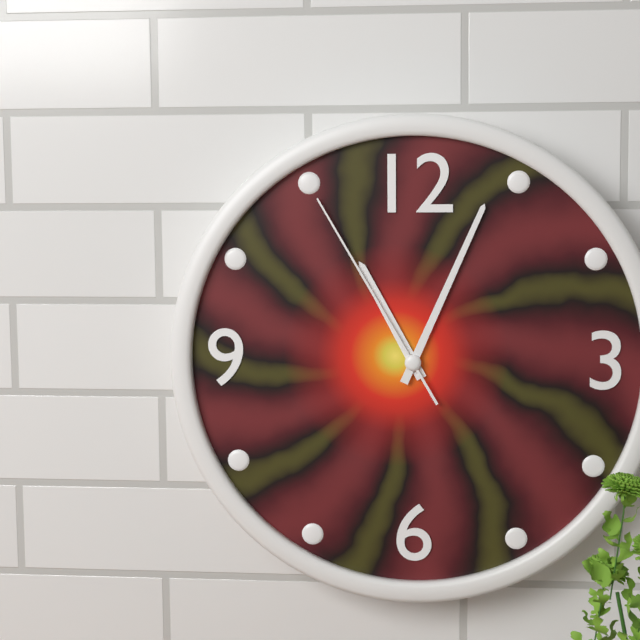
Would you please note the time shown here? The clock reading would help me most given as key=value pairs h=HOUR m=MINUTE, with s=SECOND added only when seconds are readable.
h=11 m=4 s=55
